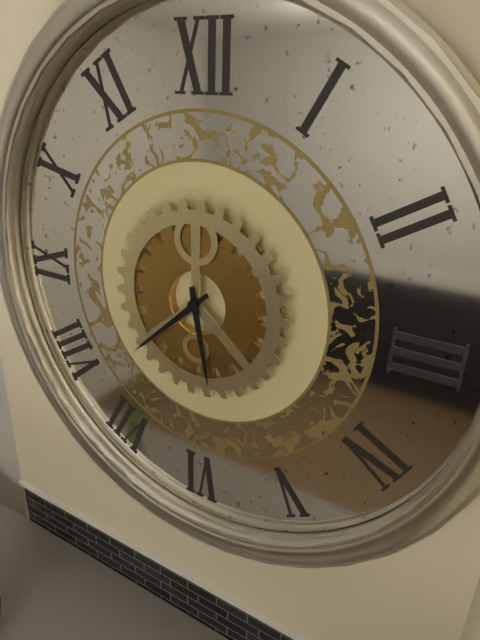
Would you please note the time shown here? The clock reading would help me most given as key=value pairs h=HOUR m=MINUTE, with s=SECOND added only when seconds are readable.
h=5 m=38
